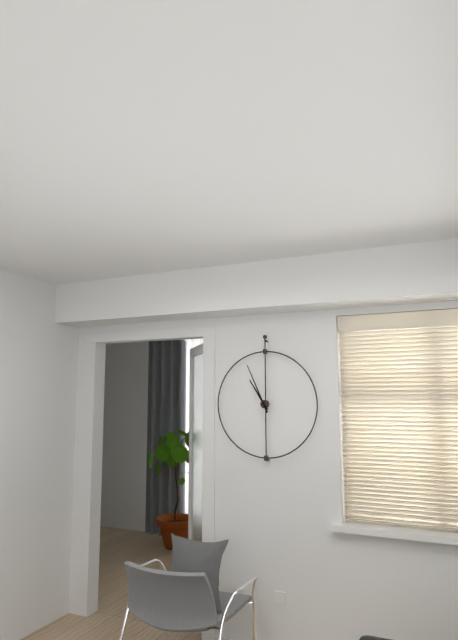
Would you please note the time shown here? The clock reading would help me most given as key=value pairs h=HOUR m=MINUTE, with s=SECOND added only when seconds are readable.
h=10 m=56
